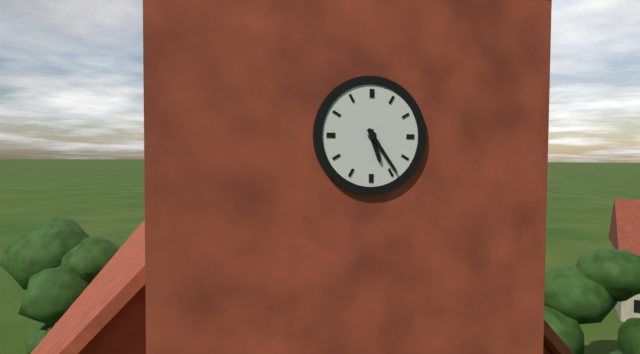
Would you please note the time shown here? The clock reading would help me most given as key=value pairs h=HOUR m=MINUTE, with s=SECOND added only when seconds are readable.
h=5 m=24
